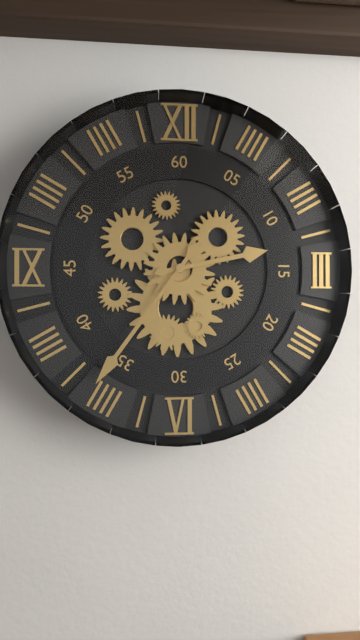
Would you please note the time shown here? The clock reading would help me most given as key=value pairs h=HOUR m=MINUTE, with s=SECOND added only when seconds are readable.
h=2 m=36
